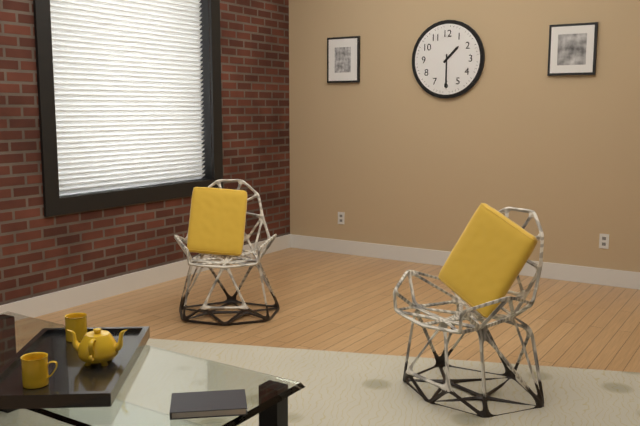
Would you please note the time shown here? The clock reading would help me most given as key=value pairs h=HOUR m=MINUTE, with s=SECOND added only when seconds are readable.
h=1 m=30
